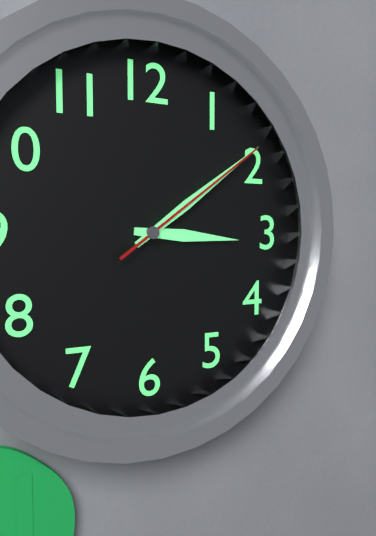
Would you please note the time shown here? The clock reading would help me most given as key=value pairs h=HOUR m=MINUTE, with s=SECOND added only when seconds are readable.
h=3 m=9 s=9
